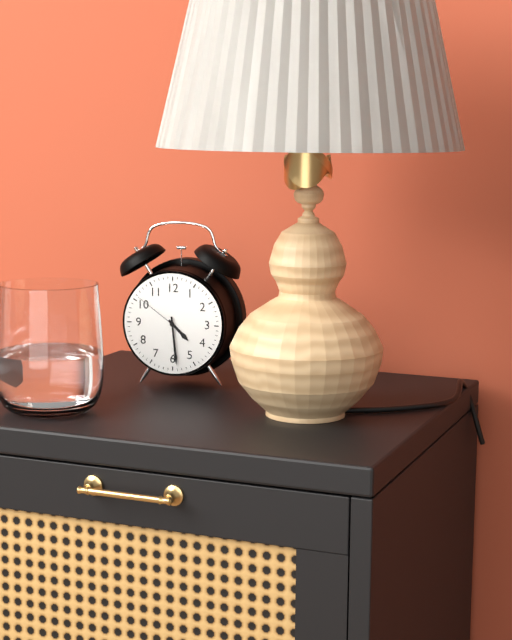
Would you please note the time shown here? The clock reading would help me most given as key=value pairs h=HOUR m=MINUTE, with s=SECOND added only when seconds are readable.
h=4 m=29 s=51
